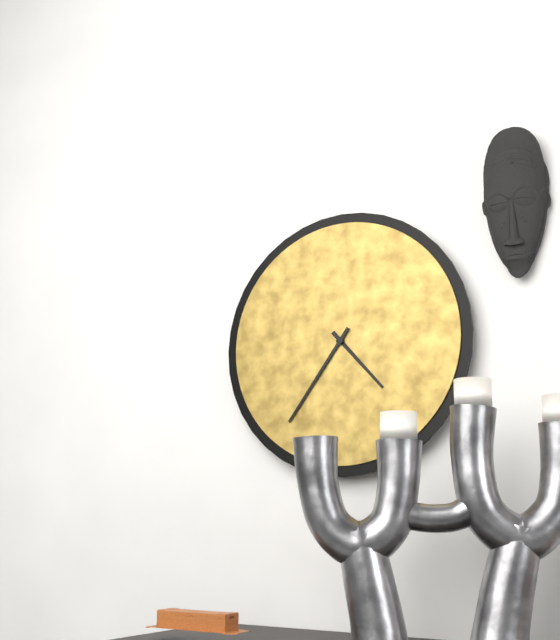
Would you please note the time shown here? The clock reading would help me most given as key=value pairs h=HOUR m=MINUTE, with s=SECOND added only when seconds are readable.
h=4 m=36
